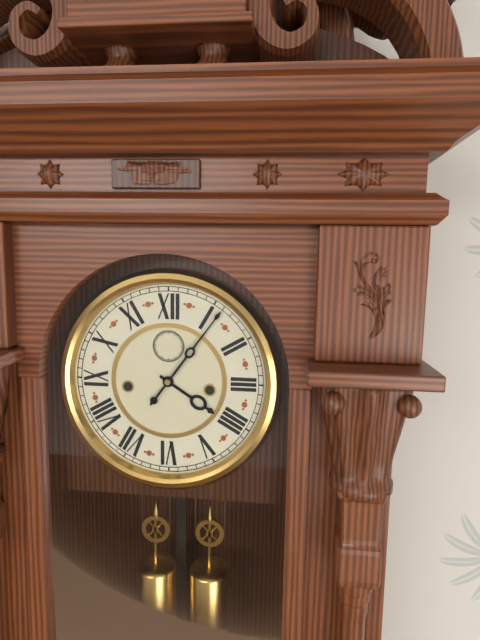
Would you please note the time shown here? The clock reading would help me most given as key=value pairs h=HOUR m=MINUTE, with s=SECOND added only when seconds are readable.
h=4 m=6
